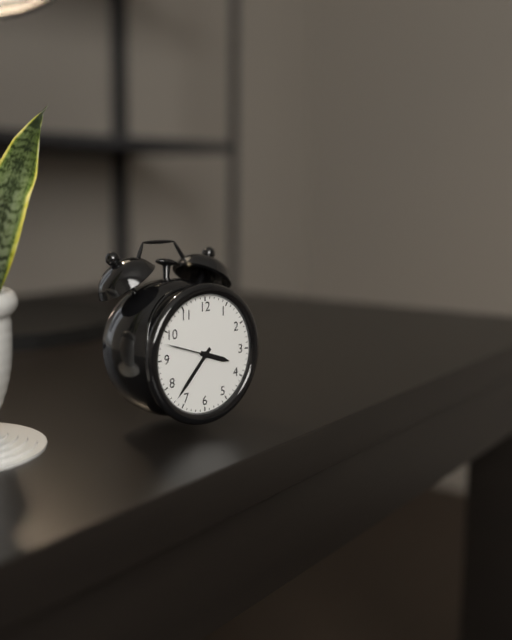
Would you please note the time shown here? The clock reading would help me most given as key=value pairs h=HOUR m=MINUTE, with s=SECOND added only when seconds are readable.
h=3 m=37 s=48
